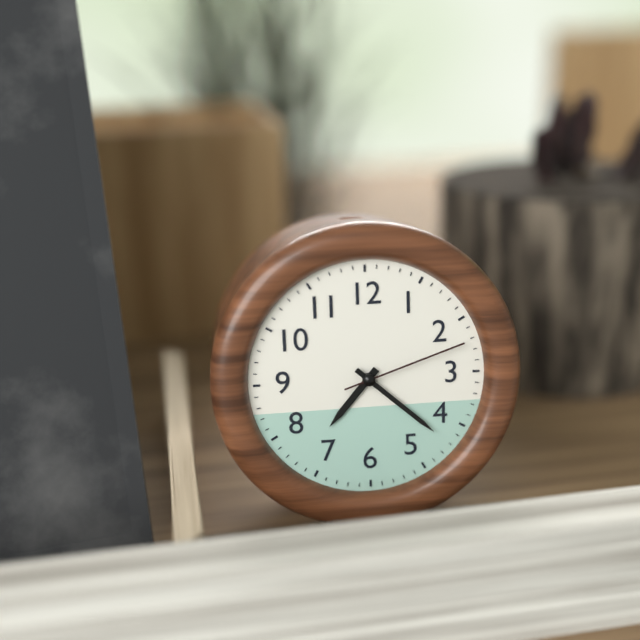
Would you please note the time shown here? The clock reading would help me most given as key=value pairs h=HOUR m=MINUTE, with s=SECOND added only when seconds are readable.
h=7 m=22 s=12
